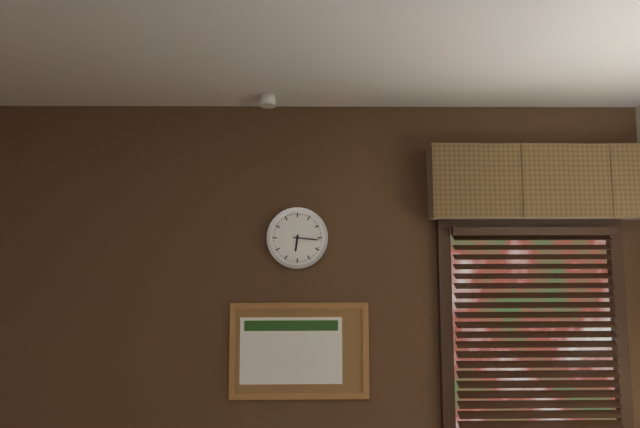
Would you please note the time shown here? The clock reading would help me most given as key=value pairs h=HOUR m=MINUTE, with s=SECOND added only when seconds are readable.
h=6 m=16
